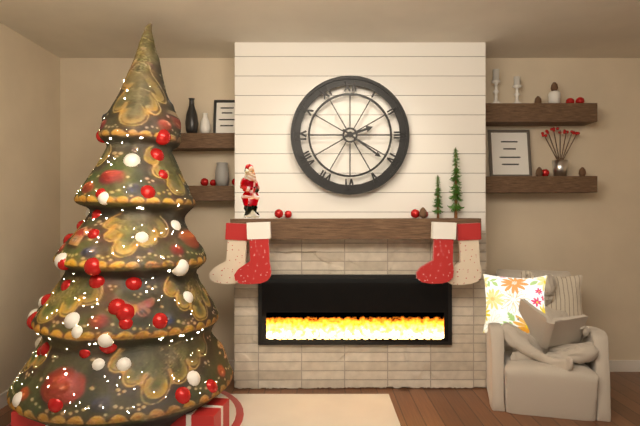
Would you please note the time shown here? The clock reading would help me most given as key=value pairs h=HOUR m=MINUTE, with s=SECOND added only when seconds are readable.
h=2 m=21
